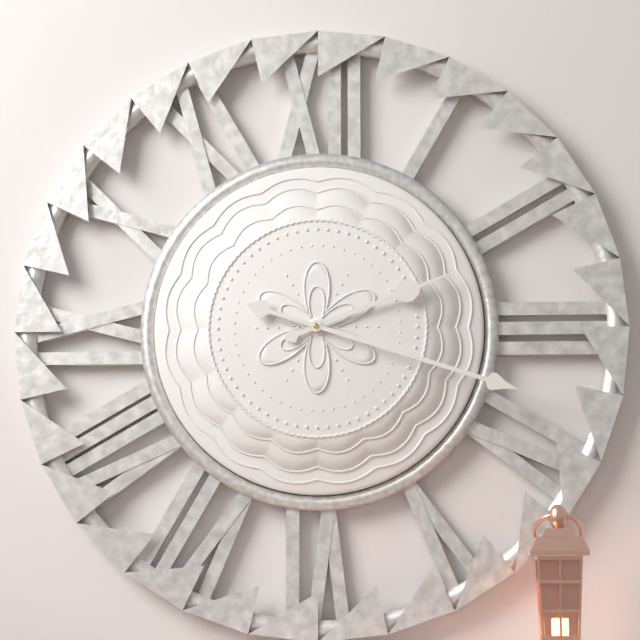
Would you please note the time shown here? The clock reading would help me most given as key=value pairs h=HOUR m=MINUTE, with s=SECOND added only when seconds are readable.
h=2 m=18
